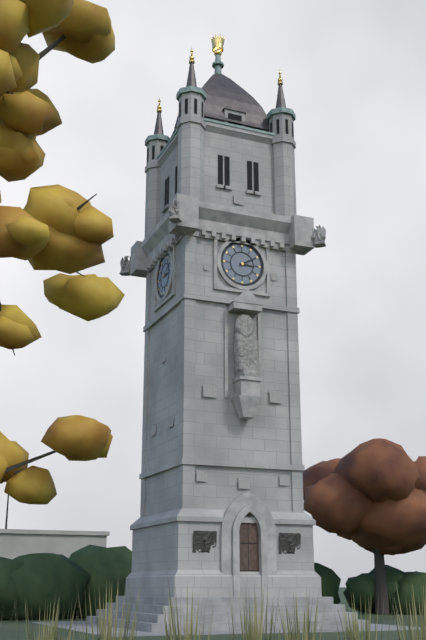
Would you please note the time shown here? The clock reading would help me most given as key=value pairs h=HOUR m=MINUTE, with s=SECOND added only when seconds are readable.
h=3 m=10
